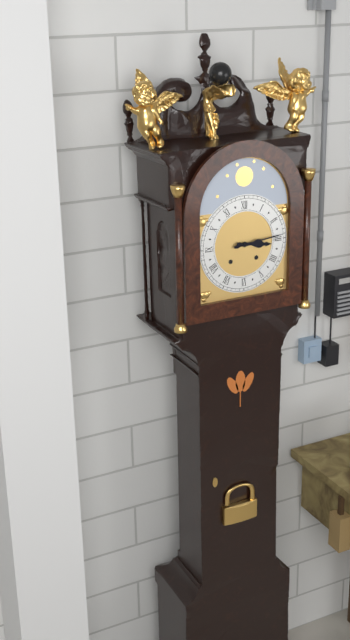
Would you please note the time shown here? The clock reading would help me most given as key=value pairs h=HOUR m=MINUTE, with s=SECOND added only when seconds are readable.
h=3 m=14
